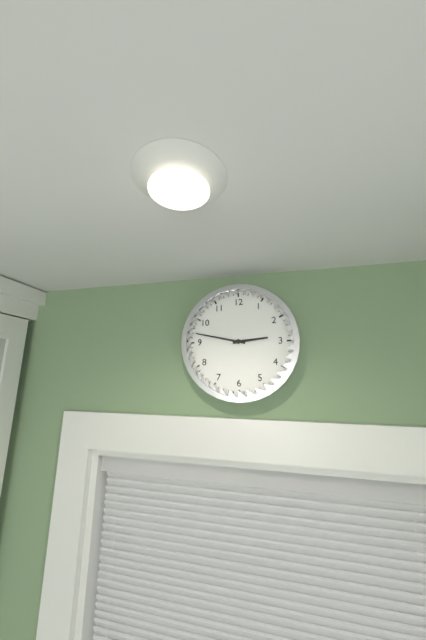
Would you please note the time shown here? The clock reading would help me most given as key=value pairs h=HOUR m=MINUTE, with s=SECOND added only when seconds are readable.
h=2 m=47
